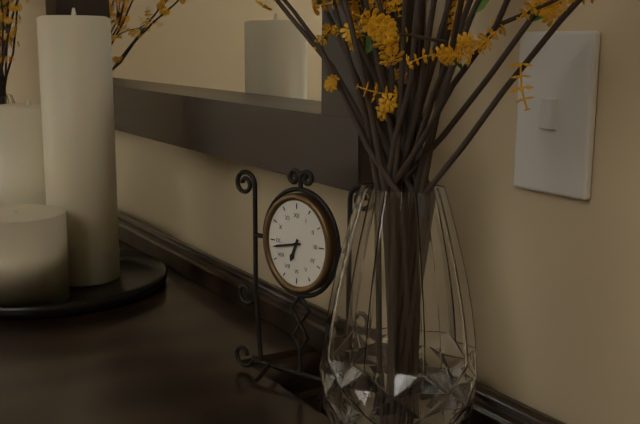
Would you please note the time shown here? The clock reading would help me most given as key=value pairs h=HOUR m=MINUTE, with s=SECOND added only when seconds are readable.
h=6 m=43
